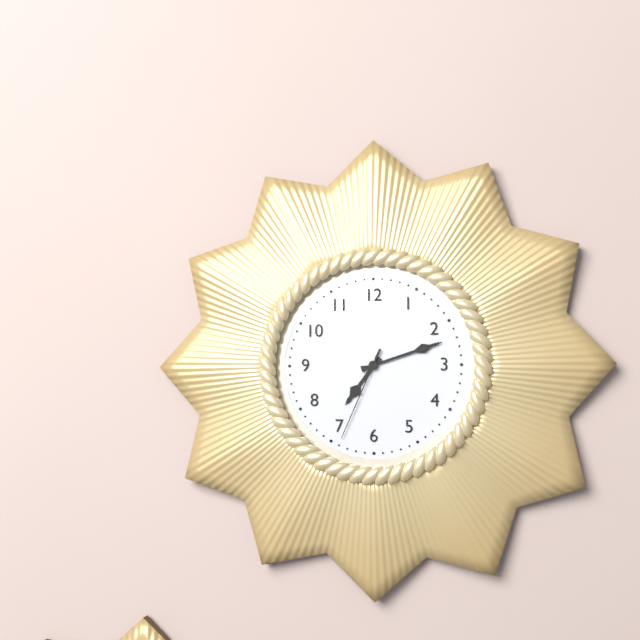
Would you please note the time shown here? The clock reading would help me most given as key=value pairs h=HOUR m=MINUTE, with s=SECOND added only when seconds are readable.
h=7 m=12 s=34
